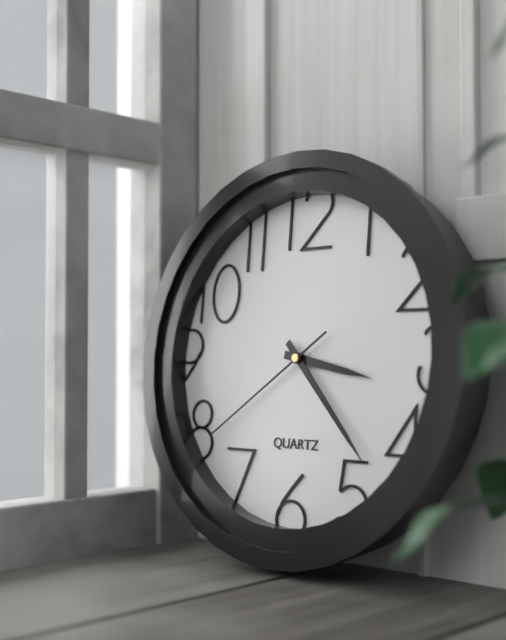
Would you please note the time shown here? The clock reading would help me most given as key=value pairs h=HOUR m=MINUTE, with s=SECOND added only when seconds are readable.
h=3 m=23 s=39
